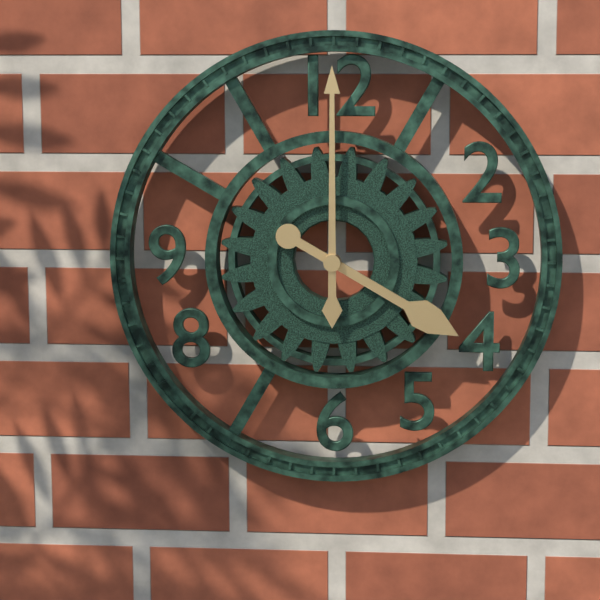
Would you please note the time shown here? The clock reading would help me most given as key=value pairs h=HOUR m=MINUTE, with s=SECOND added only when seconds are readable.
h=4 m=0
